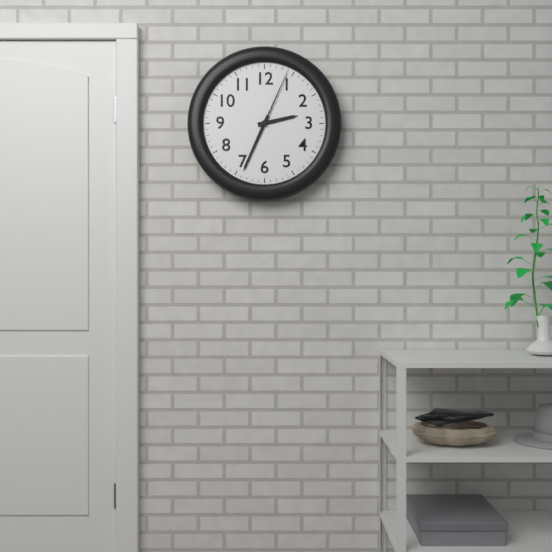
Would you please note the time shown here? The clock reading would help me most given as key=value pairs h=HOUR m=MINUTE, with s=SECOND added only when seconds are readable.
h=2 m=34 s=4
